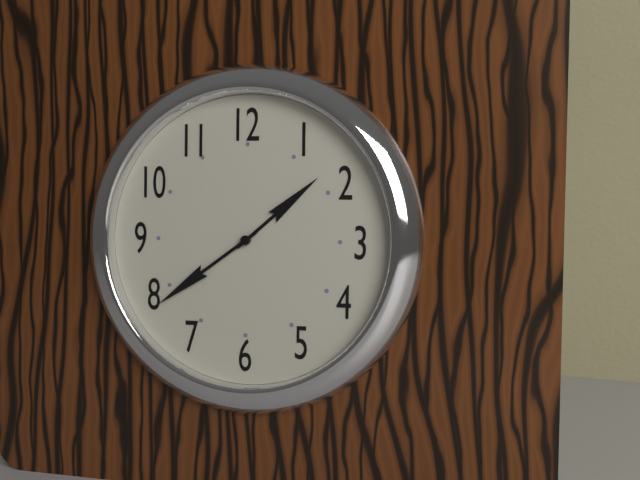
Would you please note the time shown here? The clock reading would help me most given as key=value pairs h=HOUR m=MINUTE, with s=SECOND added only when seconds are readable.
h=1 m=39
